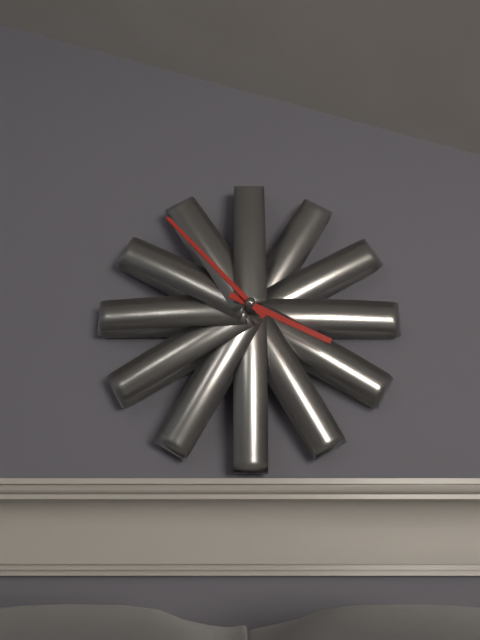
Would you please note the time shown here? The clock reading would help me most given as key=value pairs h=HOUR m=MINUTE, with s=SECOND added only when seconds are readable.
h=3 m=53
